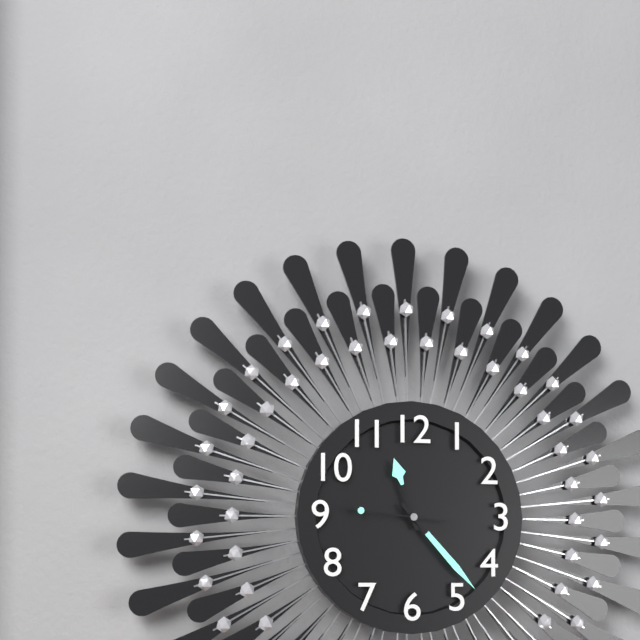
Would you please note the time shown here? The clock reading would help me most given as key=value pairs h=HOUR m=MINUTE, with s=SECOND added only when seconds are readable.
h=11 m=23 s=46
